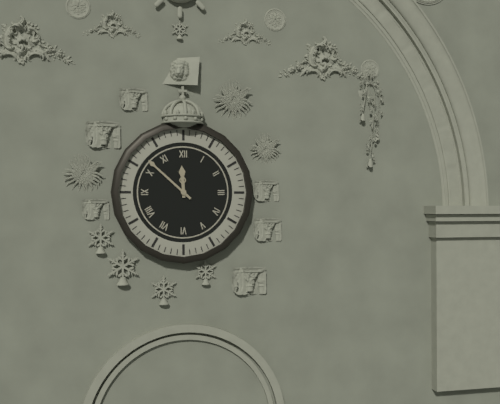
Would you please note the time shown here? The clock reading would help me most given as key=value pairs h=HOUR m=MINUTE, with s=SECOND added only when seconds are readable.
h=11 m=52
